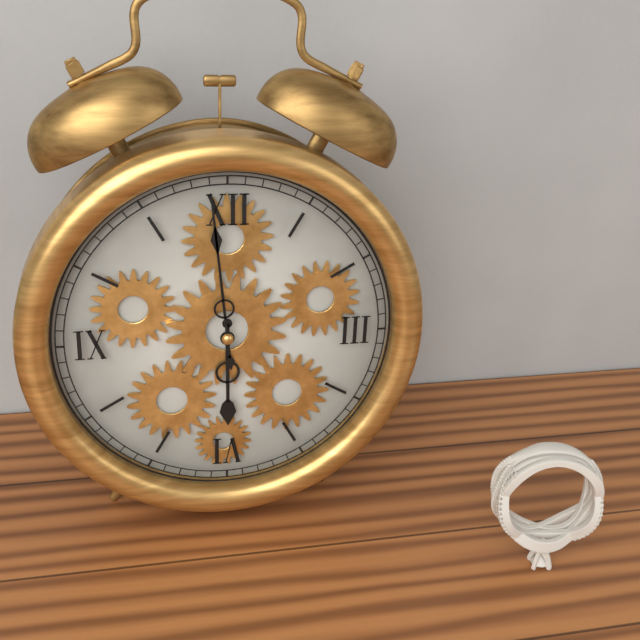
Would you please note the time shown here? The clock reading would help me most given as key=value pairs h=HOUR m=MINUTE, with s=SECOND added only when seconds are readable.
h=5 m=59
